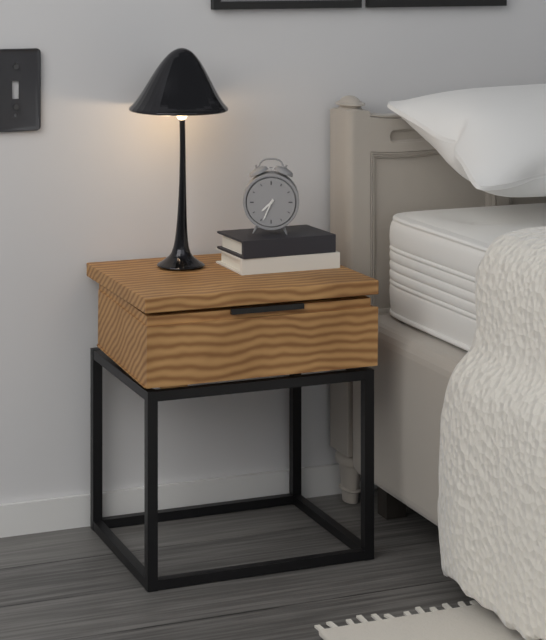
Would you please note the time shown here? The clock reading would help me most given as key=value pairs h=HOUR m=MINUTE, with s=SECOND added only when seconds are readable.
h=7 m=34
